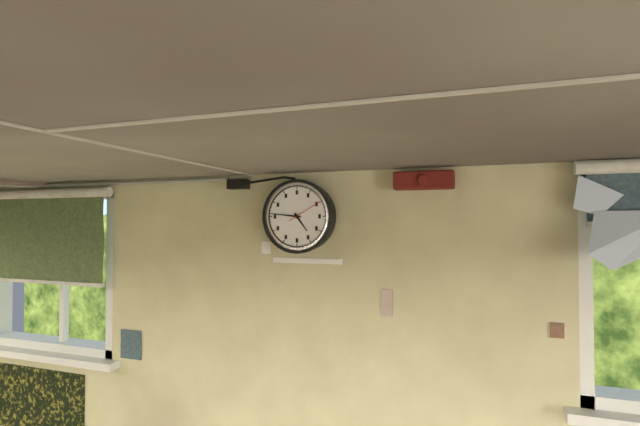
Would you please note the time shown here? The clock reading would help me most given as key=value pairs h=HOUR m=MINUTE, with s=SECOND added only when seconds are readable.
h=4 m=46
